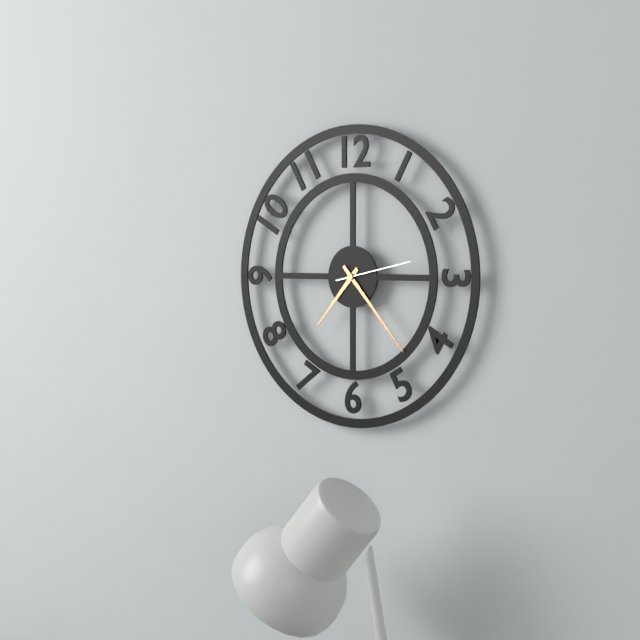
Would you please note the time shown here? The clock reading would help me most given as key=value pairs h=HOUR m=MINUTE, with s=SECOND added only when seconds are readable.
h=7 m=23 s=13
